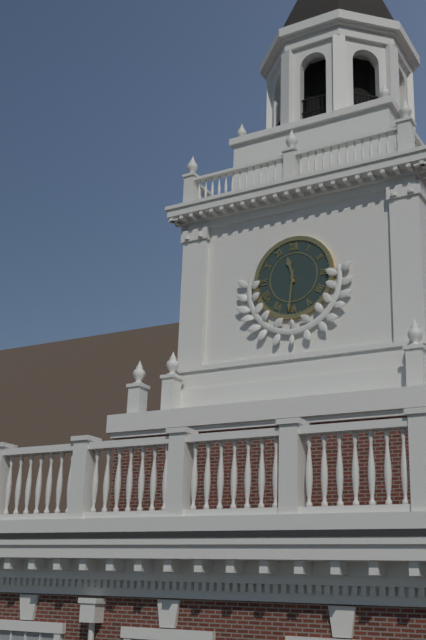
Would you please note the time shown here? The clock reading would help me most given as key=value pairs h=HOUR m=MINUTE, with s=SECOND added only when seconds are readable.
h=11 m=31
